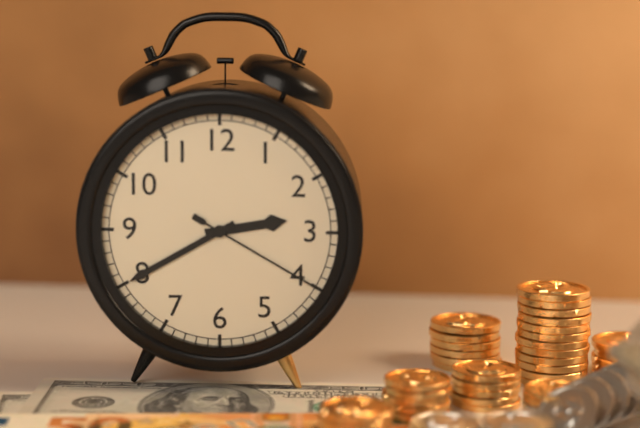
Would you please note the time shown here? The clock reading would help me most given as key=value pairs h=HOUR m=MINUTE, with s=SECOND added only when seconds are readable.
h=2 m=40 s=20
